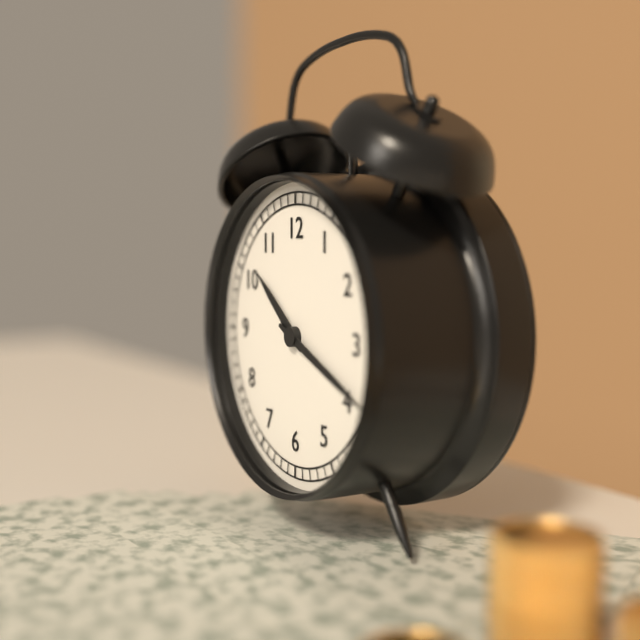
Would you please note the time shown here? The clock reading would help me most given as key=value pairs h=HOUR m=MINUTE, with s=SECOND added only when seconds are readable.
h=10 m=19
